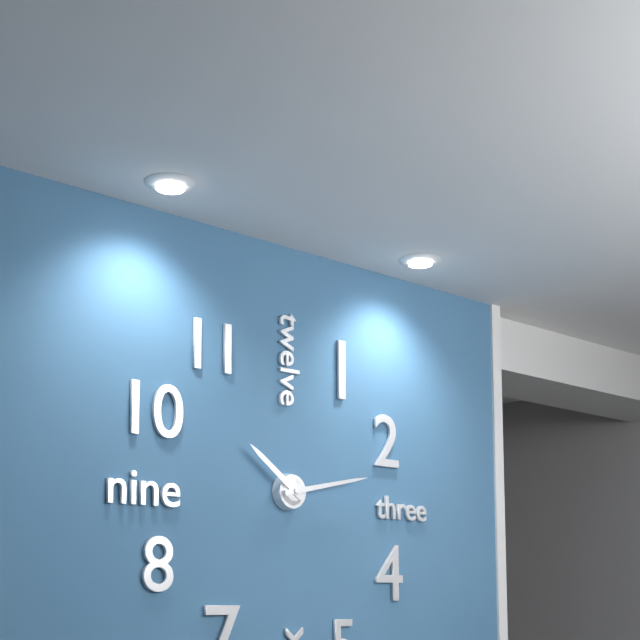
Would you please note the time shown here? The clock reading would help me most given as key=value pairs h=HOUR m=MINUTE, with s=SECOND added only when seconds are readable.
h=10 m=13
